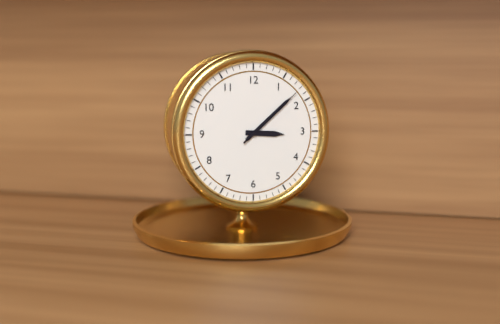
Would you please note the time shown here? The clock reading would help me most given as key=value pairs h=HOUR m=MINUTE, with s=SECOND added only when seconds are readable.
h=3 m=8 s=8
